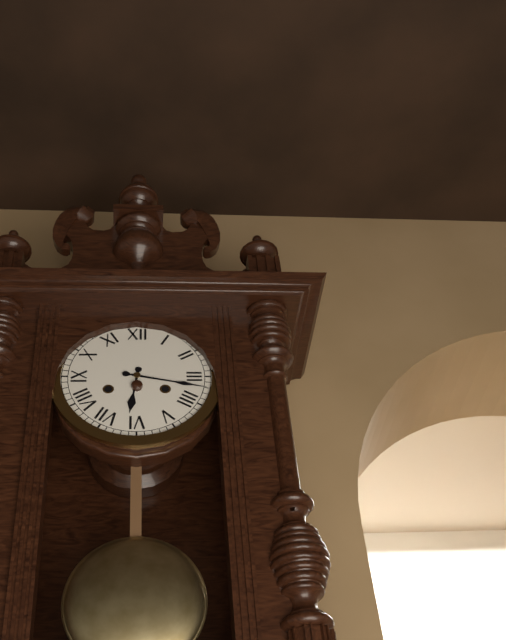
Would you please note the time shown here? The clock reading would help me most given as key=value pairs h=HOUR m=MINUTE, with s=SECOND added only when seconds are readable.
h=6 m=17
